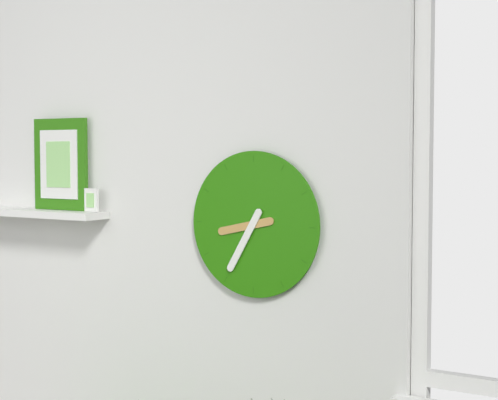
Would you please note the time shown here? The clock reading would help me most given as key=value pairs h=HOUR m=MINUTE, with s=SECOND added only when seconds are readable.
h=8 m=35
